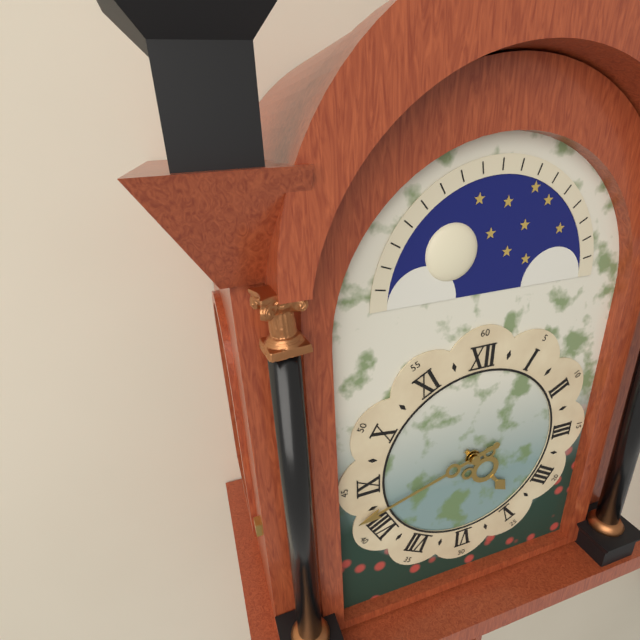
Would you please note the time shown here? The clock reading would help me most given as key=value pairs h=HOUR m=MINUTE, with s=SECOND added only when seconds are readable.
h=4 m=42
